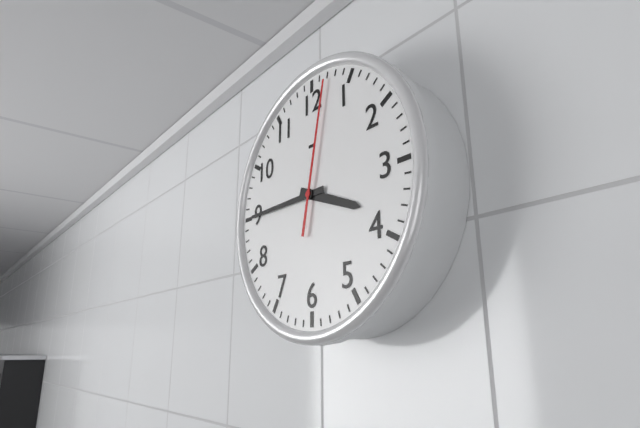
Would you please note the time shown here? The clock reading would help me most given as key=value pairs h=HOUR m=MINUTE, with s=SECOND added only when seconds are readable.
h=3 m=45 s=2
